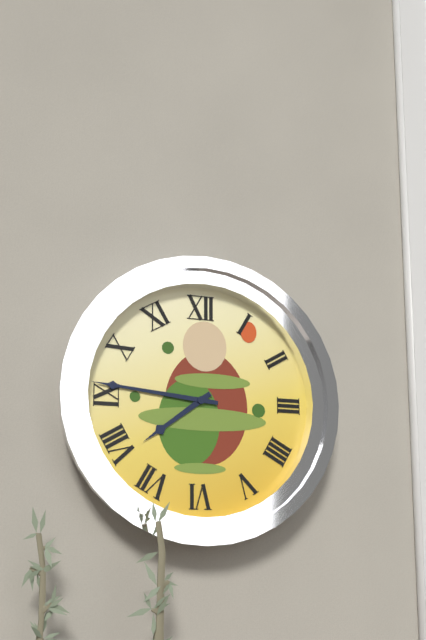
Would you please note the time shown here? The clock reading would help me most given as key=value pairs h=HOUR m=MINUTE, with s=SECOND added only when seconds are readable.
h=7 m=46
